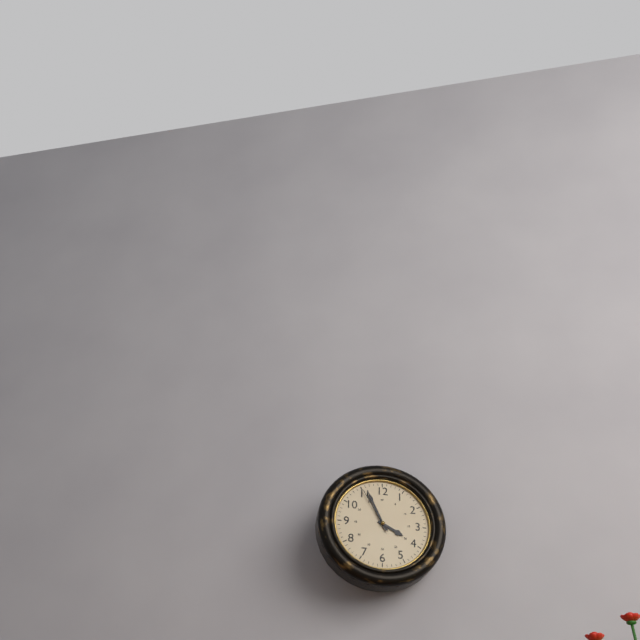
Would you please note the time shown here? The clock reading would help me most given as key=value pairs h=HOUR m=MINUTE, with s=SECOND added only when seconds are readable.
h=3 m=56
